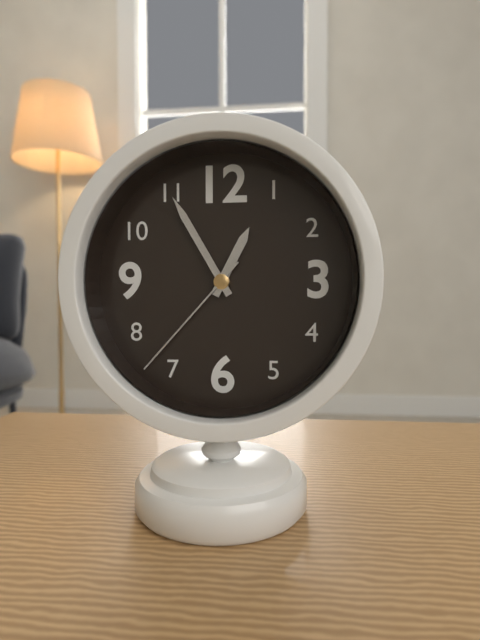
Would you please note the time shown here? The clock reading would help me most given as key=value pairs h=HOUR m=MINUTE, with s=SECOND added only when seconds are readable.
h=12 m=55 s=37
